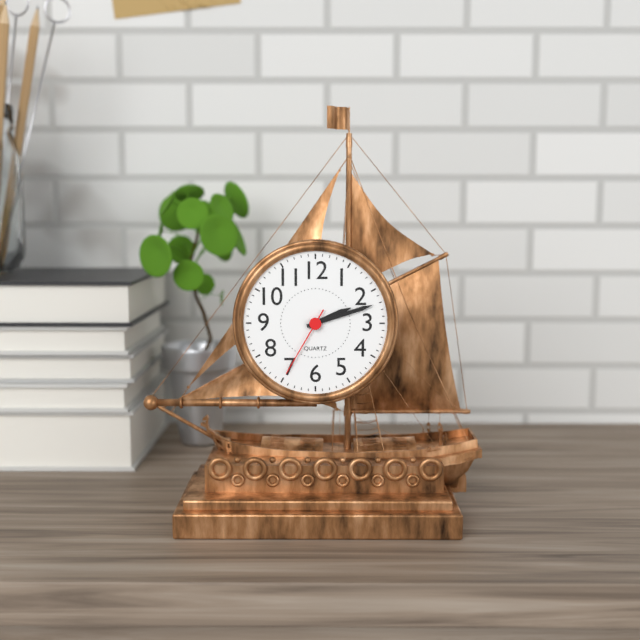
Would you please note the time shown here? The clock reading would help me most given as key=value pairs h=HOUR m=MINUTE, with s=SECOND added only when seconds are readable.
h=2 m=12 s=35
